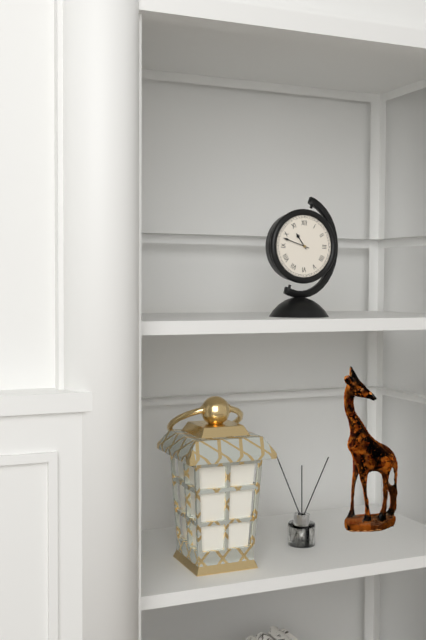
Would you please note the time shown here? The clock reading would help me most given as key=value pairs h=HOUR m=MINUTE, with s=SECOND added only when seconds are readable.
h=10 m=48
